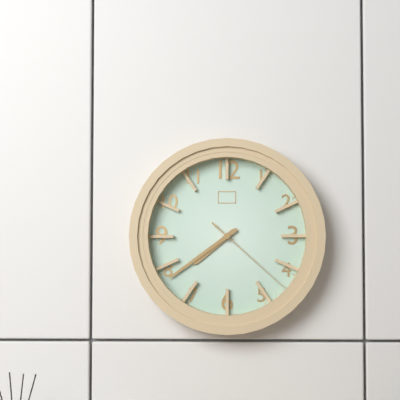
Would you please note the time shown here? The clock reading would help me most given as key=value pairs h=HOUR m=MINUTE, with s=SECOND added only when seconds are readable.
h=7 m=39 s=22
